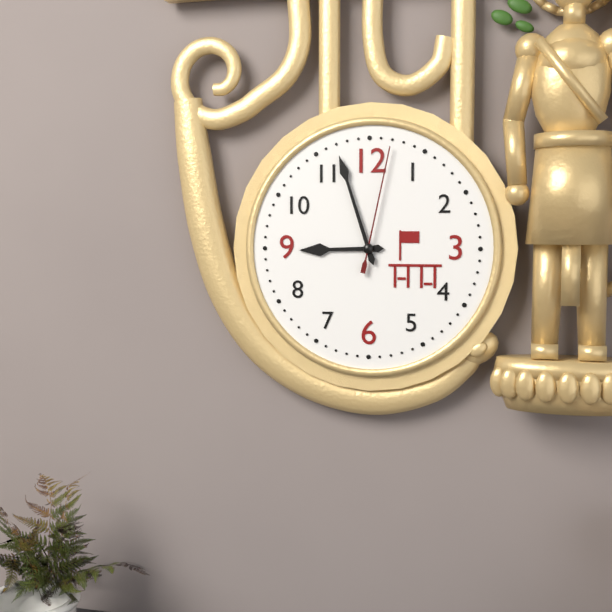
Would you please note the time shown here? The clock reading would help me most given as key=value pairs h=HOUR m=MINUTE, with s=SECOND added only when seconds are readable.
h=8 m=57 s=2
